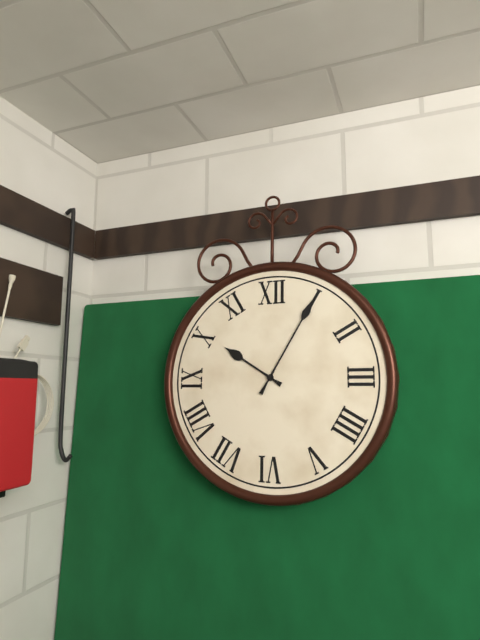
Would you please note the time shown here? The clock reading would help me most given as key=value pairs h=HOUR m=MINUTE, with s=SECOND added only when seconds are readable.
h=10 m=5
